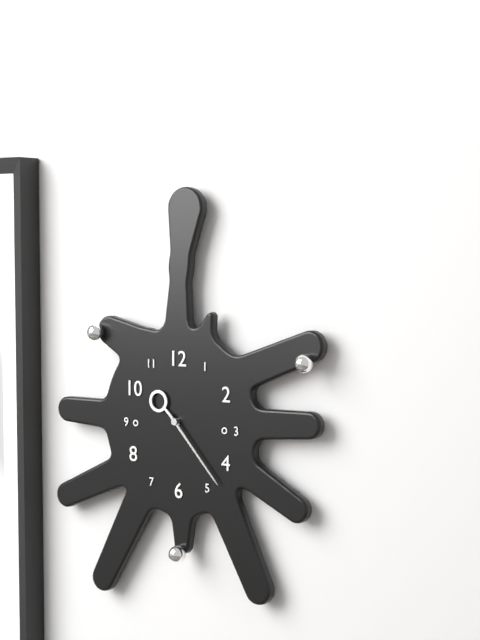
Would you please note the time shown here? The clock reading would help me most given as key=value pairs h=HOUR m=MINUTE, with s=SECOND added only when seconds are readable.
h=10 m=23
